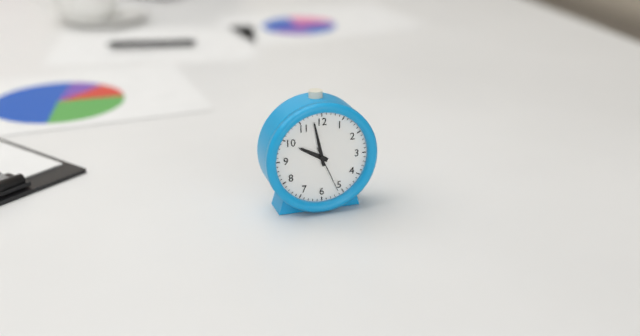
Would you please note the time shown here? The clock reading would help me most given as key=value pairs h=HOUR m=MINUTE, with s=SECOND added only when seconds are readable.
h=9 m=58
